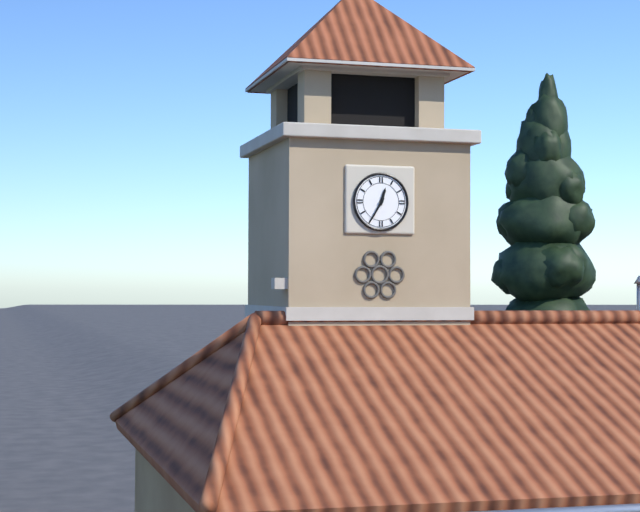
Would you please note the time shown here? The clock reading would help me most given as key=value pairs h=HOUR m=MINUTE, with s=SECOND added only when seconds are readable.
h=12 m=35
